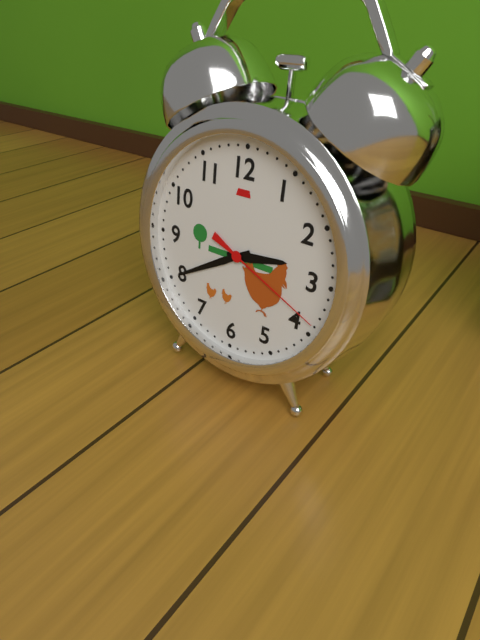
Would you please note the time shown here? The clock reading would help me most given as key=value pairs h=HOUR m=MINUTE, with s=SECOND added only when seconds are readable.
h=2 m=40 s=19
